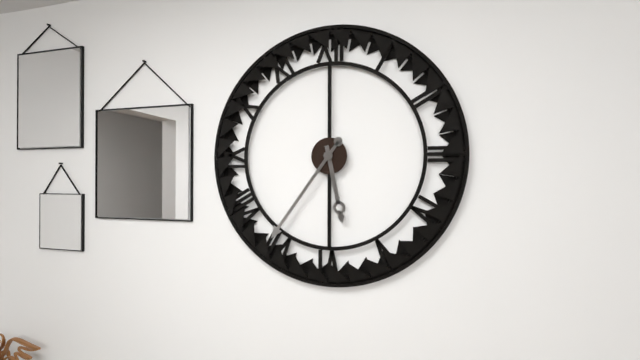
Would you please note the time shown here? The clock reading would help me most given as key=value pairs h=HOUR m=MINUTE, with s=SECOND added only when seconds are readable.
h=5 m=36
